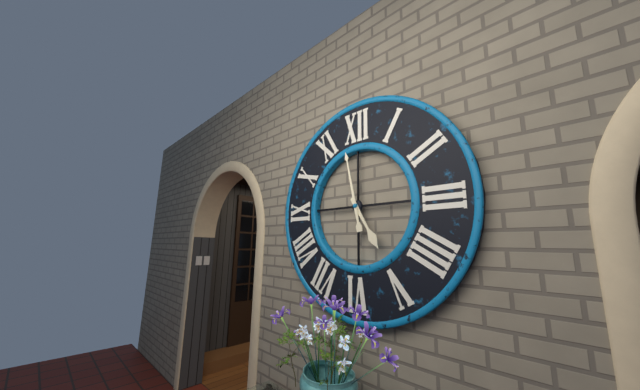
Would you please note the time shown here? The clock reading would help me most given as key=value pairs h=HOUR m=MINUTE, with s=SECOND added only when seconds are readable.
h=4 m=58
